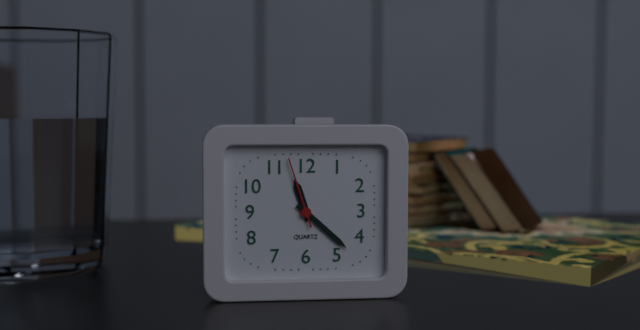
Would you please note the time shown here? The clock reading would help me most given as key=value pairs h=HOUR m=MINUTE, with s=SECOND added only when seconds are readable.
h=11 m=22 s=57
